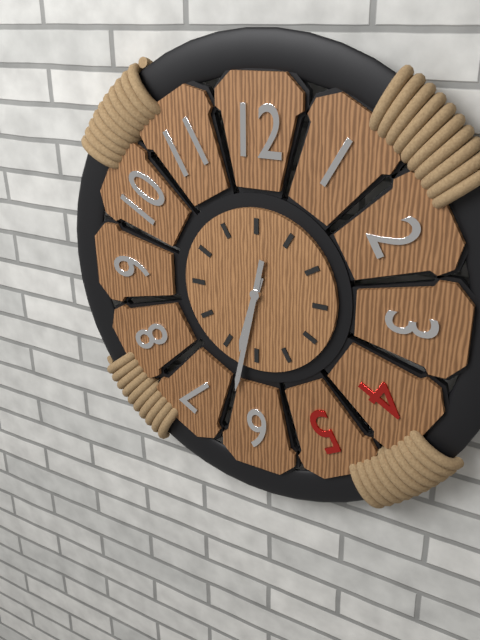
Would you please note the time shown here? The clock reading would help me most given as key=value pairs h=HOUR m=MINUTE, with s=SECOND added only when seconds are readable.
h=6 m=32
